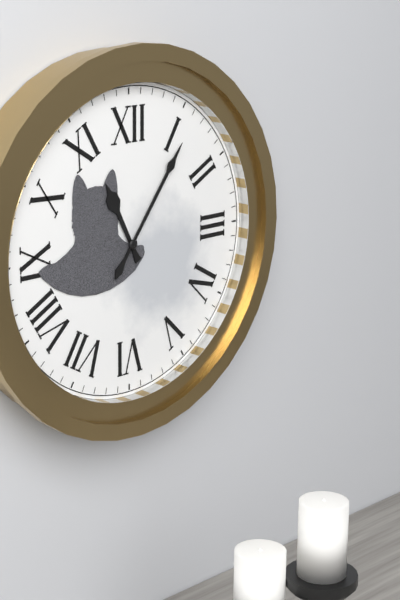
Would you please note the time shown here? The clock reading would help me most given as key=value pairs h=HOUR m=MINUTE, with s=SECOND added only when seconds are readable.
h=11 m=6
